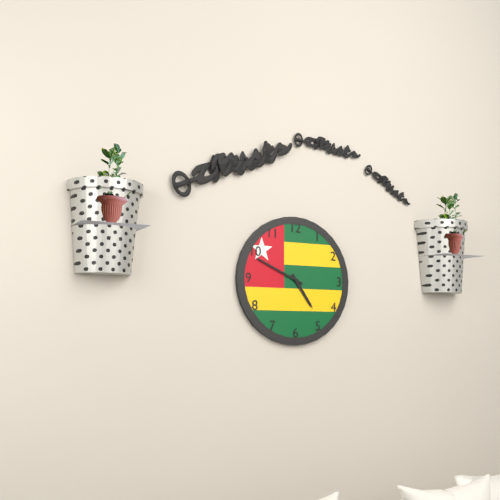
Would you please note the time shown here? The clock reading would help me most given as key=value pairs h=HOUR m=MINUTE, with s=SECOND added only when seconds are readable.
h=4 m=49
